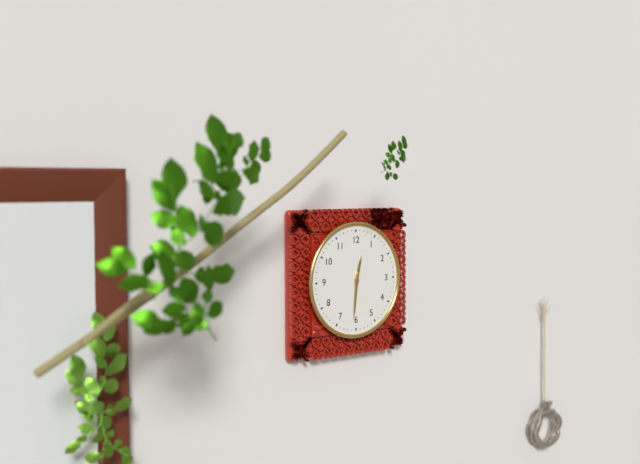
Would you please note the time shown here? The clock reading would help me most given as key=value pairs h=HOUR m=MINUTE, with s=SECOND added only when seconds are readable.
h=12 m=31
